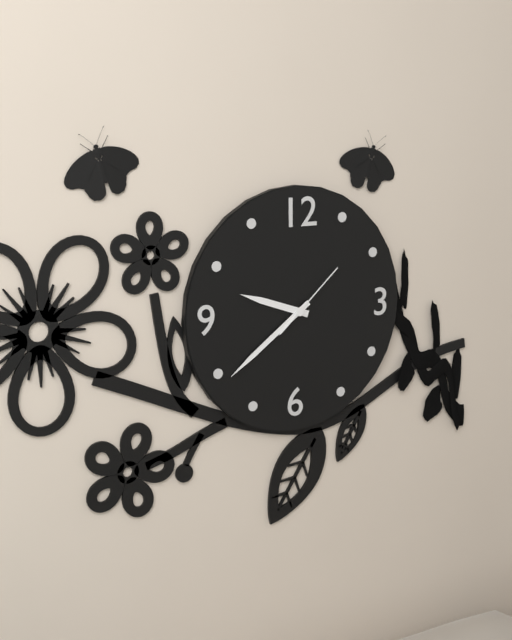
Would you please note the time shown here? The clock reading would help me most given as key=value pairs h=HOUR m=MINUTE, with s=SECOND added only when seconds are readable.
h=9 m=39 s=8
